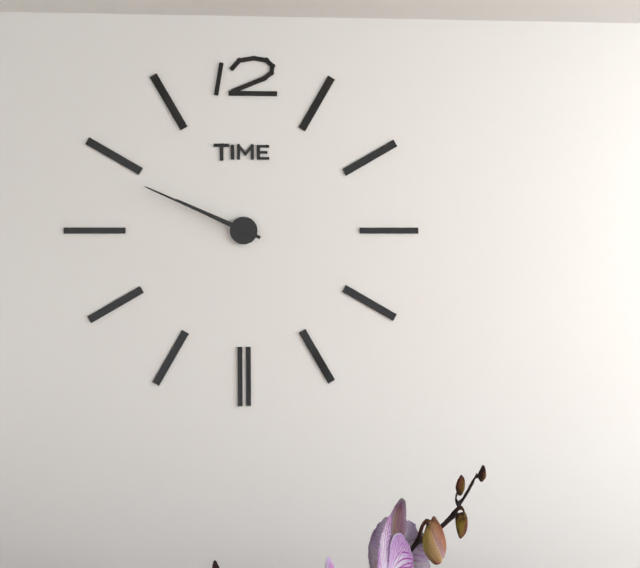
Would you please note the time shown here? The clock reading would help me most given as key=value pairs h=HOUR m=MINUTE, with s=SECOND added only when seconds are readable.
h=9 m=49
